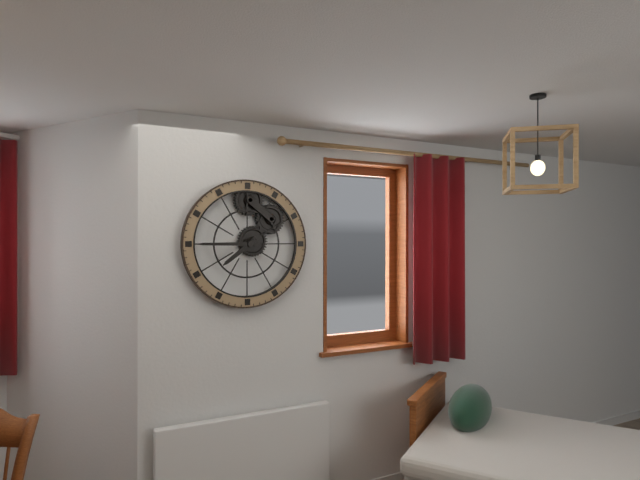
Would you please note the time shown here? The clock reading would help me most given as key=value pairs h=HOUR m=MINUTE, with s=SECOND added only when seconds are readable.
h=7 m=45
